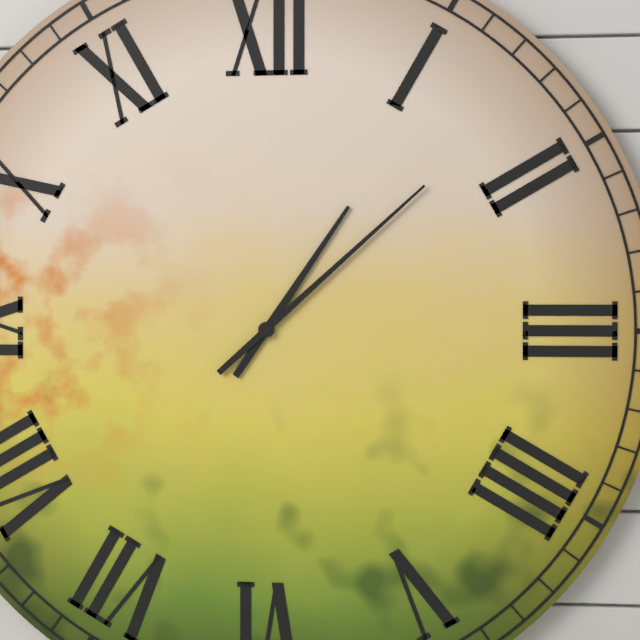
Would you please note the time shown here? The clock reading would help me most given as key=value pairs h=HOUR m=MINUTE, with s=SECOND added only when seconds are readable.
h=1 m=8
